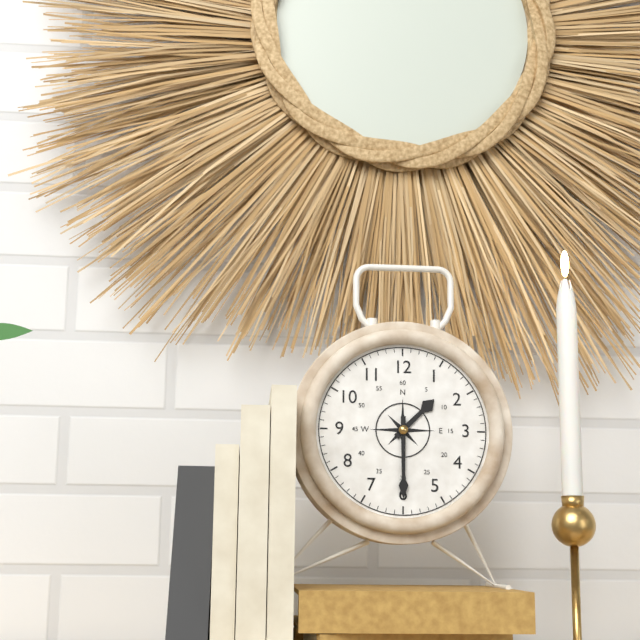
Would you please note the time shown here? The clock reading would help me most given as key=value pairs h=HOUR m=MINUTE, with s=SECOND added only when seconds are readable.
h=1 m=30
